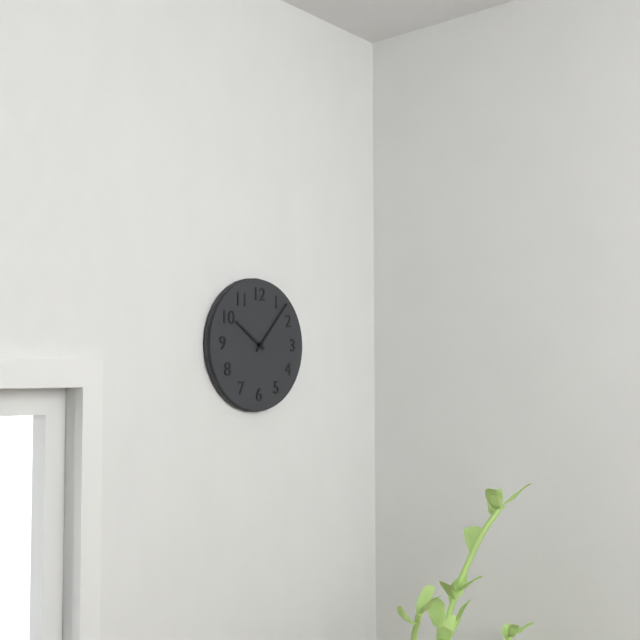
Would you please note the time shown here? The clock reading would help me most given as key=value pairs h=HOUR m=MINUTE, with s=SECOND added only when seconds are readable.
h=10 m=7
